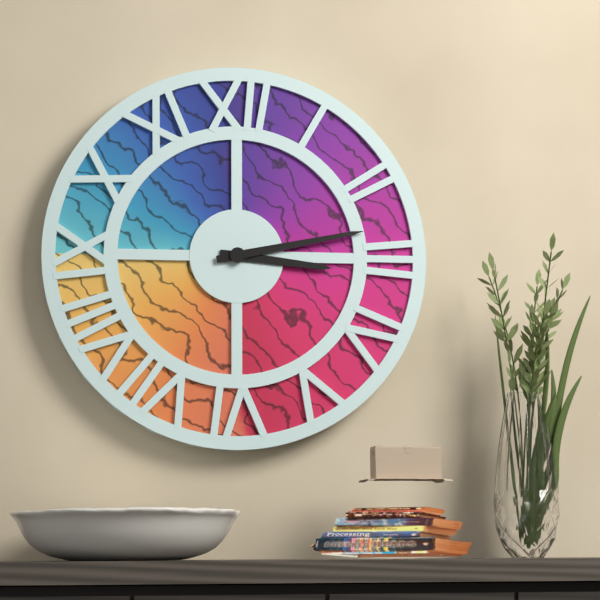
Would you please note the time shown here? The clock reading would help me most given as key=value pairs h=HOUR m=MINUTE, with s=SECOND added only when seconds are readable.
h=3 m=13
